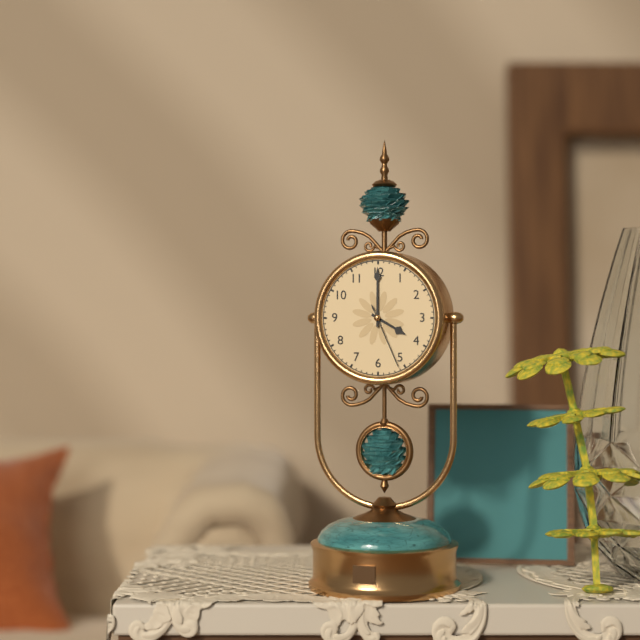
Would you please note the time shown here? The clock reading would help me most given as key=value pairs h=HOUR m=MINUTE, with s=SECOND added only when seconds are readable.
h=4 m=0 s=26
